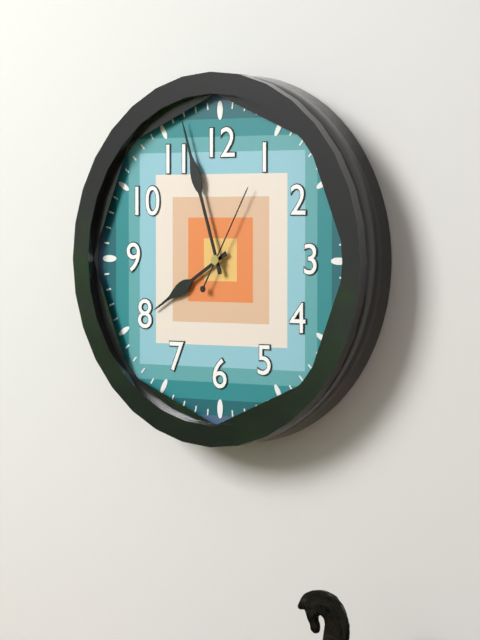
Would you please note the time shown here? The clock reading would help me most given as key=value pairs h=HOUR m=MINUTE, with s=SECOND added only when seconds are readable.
h=7 m=57 s=5
